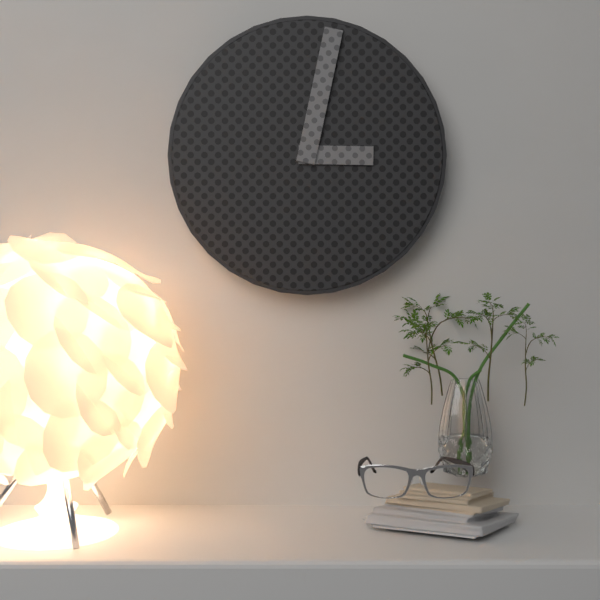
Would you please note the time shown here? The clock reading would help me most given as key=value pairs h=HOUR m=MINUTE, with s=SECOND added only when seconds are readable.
h=3 m=2
